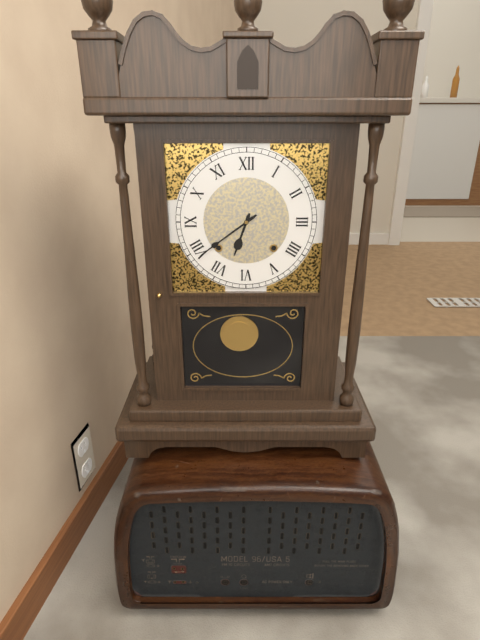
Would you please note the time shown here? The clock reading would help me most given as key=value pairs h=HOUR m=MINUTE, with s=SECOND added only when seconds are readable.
h=6 m=39
